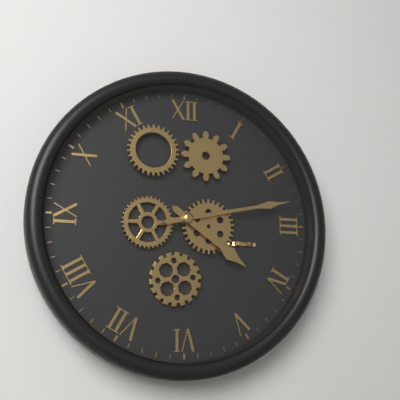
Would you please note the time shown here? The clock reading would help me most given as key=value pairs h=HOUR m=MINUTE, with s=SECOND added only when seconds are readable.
h=4 m=13
